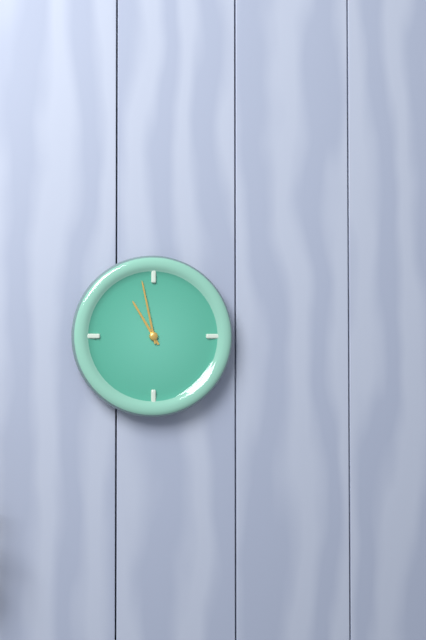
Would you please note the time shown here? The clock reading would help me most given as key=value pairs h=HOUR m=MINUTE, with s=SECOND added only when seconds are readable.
h=10 m=58
